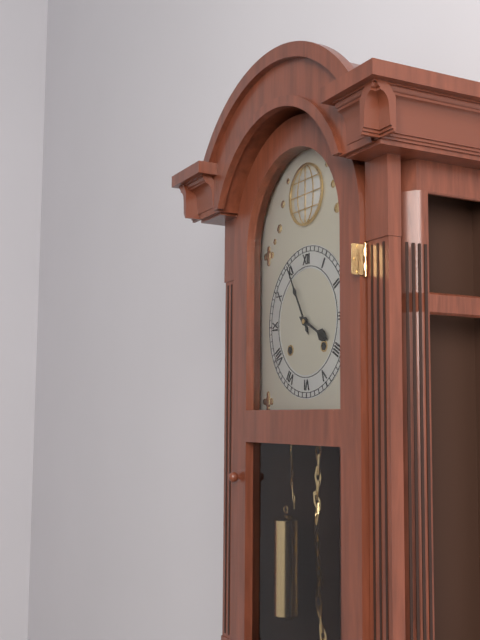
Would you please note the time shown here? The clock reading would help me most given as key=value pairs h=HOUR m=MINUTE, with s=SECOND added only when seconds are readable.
h=3 m=55
